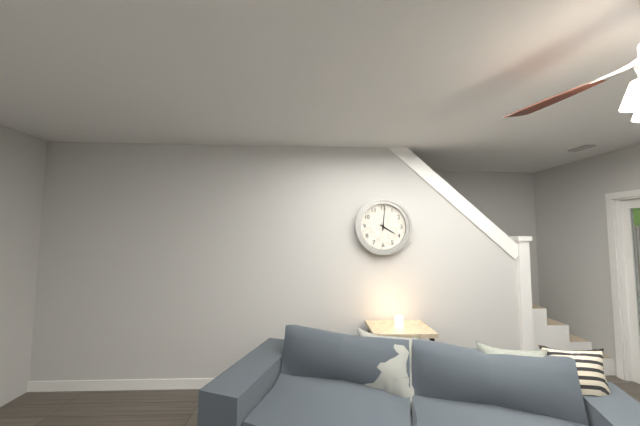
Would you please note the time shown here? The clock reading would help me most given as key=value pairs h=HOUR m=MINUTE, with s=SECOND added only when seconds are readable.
h=4 m=1
